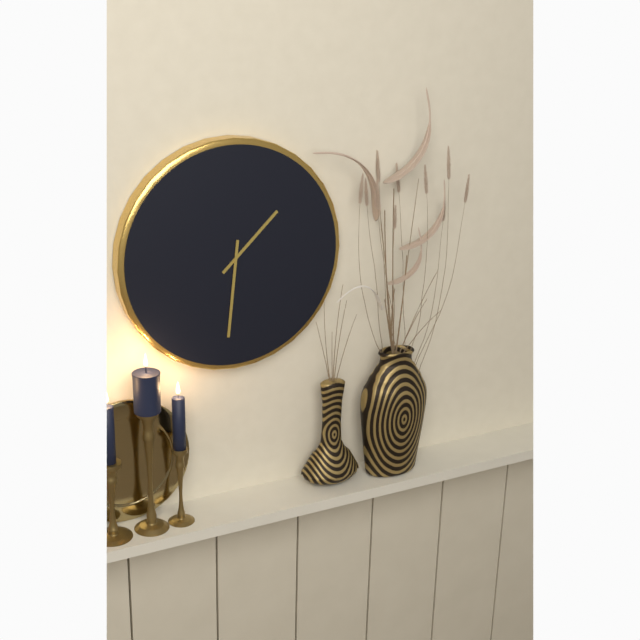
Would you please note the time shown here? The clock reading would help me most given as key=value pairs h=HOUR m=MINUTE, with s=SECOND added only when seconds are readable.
h=1 m=31
